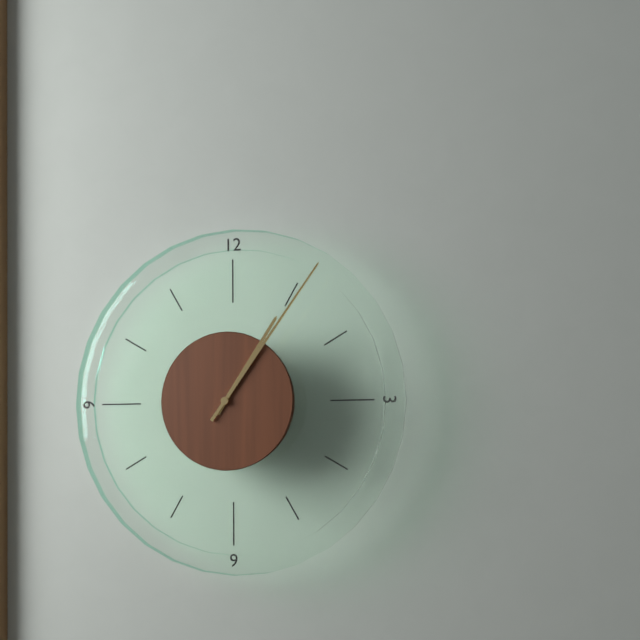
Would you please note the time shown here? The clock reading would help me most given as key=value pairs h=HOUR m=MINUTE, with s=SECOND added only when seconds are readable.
h=1 m=6
